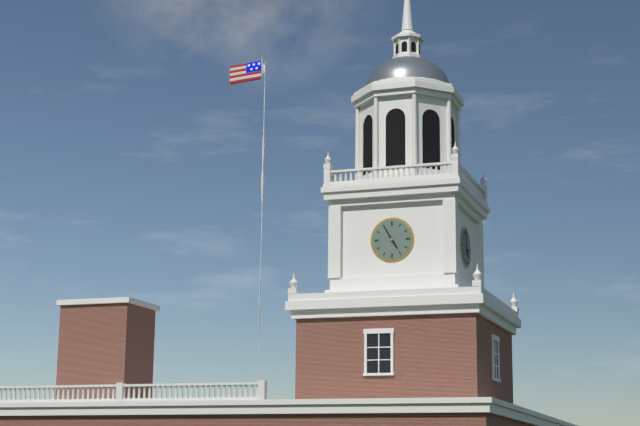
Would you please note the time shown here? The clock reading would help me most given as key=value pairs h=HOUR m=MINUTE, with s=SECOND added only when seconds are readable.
h=4 m=55
